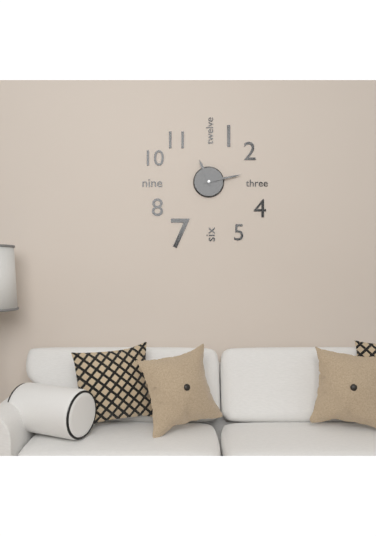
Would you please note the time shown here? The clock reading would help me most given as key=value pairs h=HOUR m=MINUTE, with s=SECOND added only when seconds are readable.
h=11 m=13
